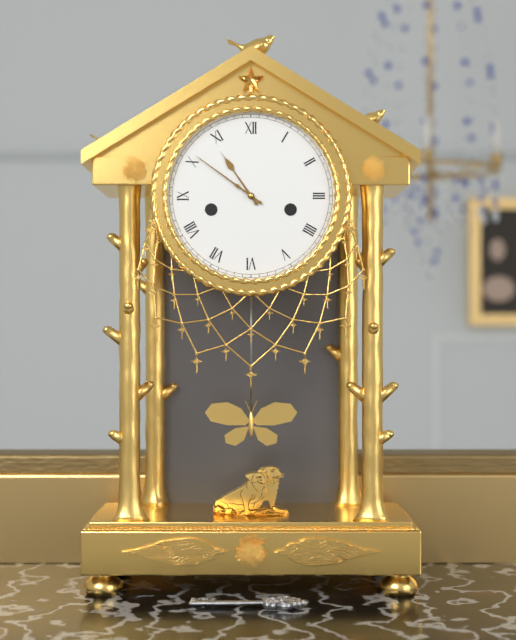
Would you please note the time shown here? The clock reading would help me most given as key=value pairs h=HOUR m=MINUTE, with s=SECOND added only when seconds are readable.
h=10 m=51
